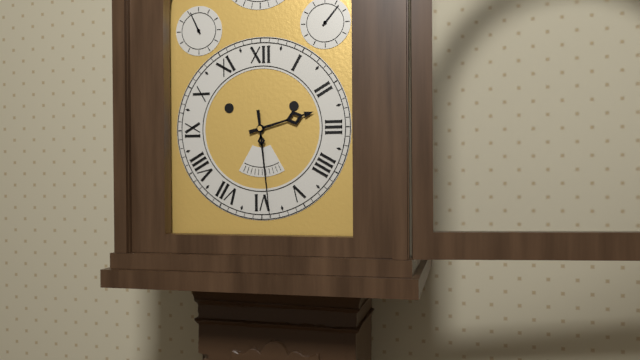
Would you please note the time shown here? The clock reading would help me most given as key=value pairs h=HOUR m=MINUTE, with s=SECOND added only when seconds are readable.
h=2 m=29
